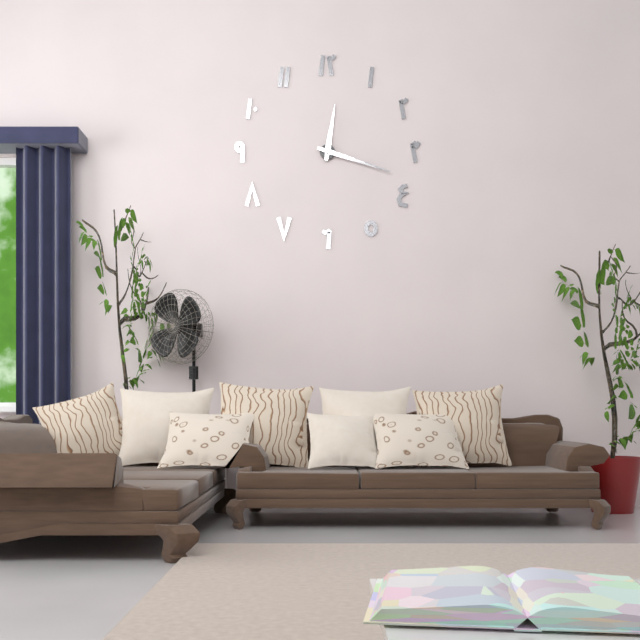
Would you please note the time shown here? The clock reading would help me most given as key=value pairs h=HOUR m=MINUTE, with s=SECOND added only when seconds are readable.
h=12 m=18
